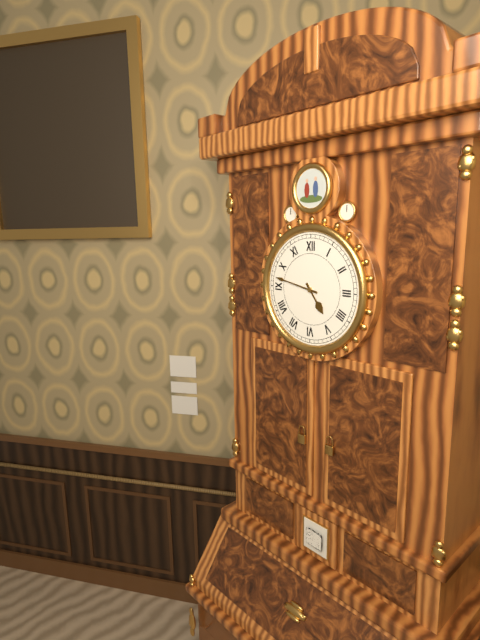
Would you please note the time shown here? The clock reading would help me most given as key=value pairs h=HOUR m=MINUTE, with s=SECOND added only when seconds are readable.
h=4 m=47
